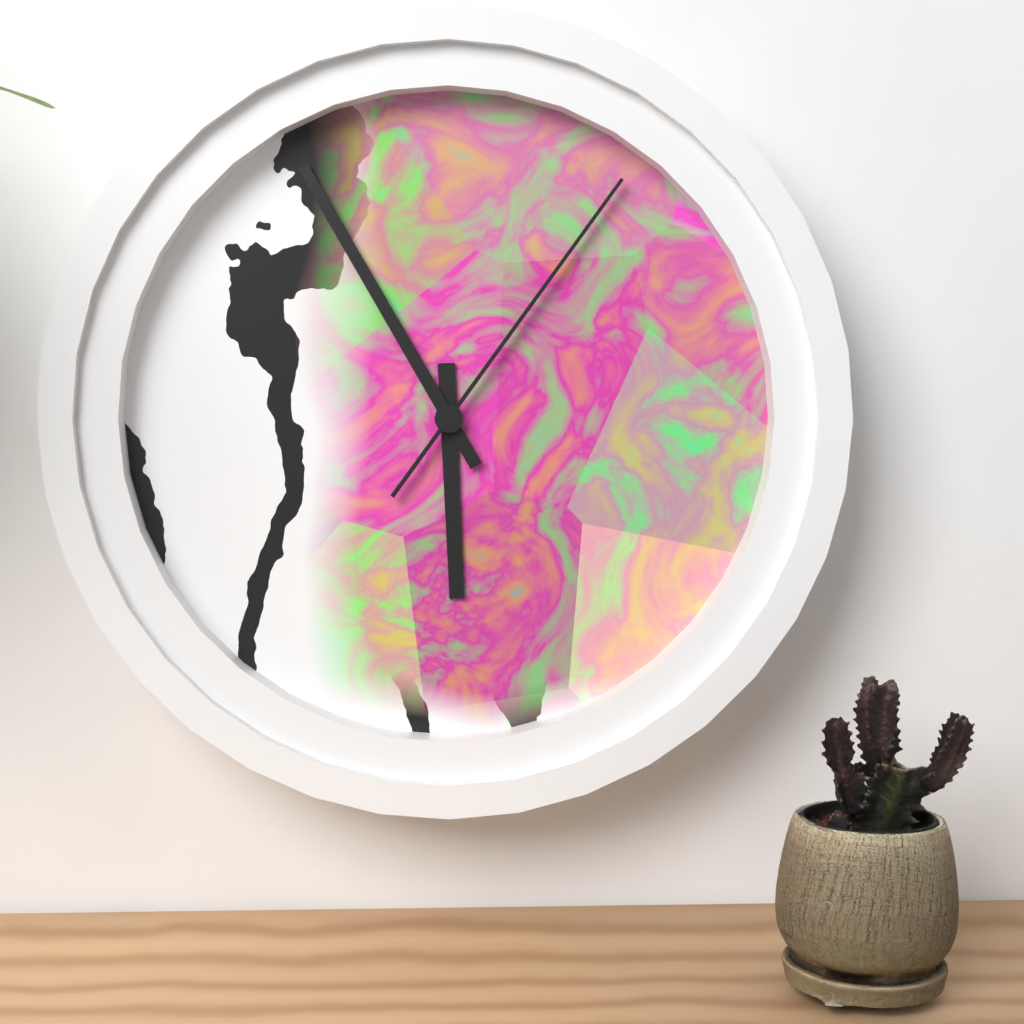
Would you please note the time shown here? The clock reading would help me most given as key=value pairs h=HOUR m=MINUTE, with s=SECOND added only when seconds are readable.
h=5 m=55 s=6
